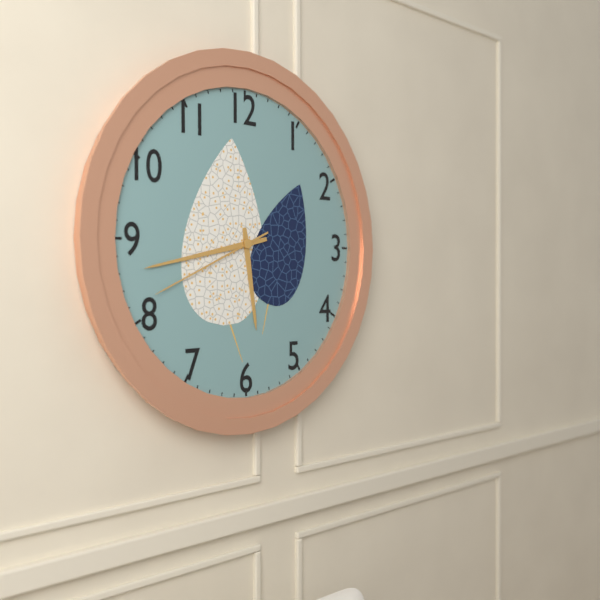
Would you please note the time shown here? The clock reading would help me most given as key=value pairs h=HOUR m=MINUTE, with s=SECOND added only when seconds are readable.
h=5 m=43 s=41
